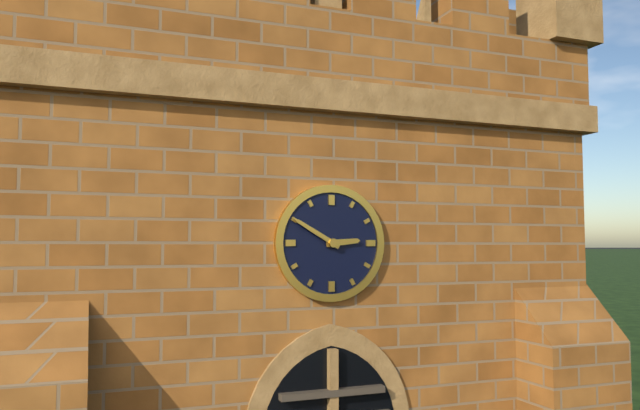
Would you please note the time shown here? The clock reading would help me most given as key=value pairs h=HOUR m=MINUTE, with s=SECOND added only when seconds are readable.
h=2 m=50
